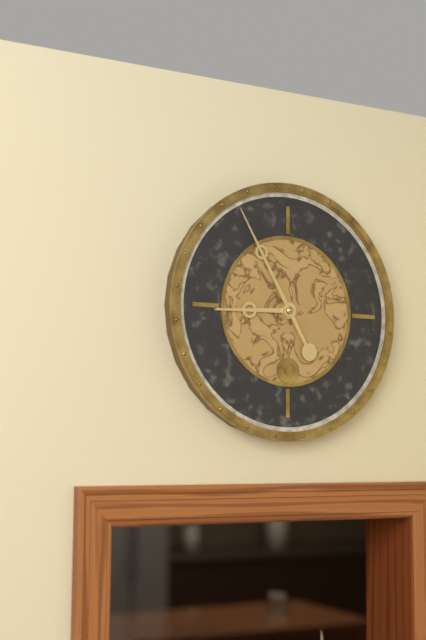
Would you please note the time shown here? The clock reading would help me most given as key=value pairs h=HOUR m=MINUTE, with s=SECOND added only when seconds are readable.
h=8 m=55
